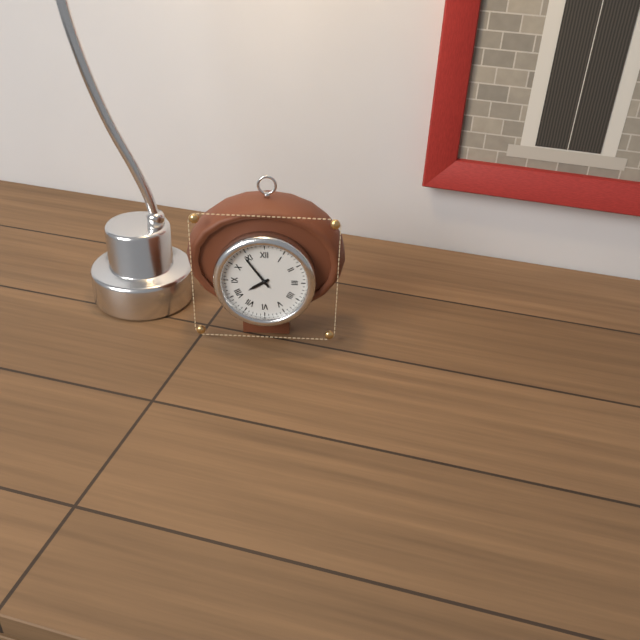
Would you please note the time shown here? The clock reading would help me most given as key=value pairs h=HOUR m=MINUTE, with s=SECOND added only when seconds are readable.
h=7 m=54
